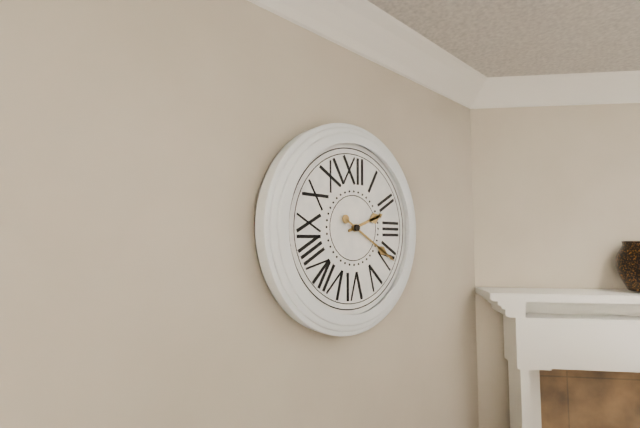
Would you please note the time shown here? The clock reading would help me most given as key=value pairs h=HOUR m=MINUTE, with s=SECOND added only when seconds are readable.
h=2 m=20
